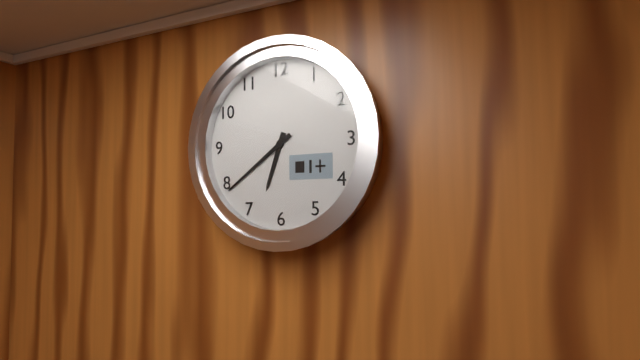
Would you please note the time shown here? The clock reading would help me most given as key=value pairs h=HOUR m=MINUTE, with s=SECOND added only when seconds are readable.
h=6 m=39
